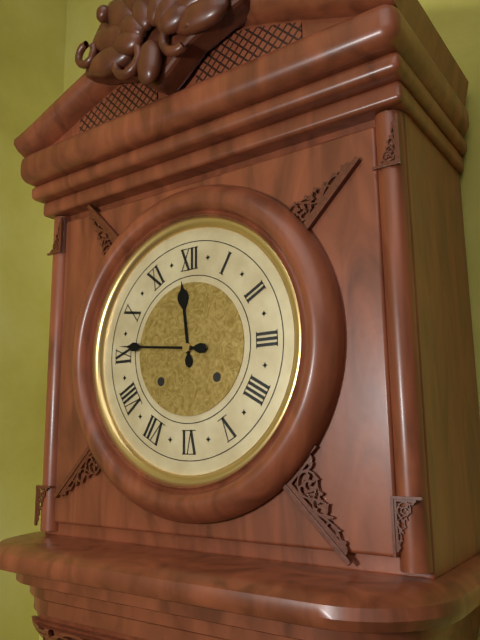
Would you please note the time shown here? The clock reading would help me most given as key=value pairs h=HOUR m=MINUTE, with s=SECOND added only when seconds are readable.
h=11 m=46
